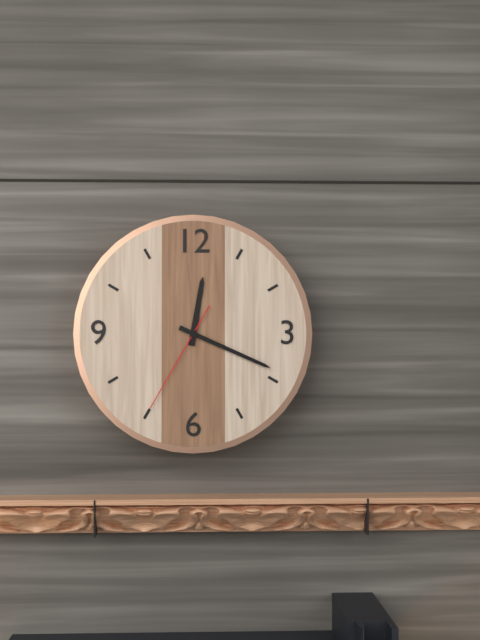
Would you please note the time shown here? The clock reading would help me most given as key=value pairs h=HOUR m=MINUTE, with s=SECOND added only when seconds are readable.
h=12 m=19 s=35
